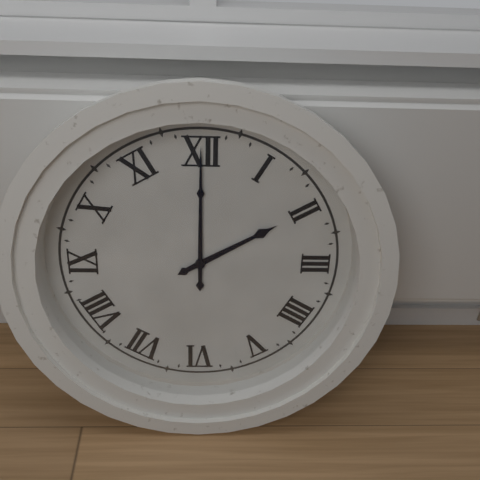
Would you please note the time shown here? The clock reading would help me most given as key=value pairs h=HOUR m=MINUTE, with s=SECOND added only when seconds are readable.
h=2 m=0
